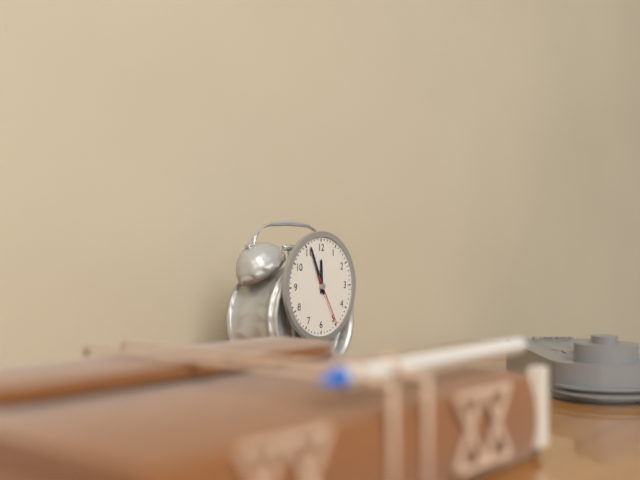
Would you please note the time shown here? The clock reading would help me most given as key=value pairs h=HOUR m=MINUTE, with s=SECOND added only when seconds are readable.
h=11 m=56 s=25
